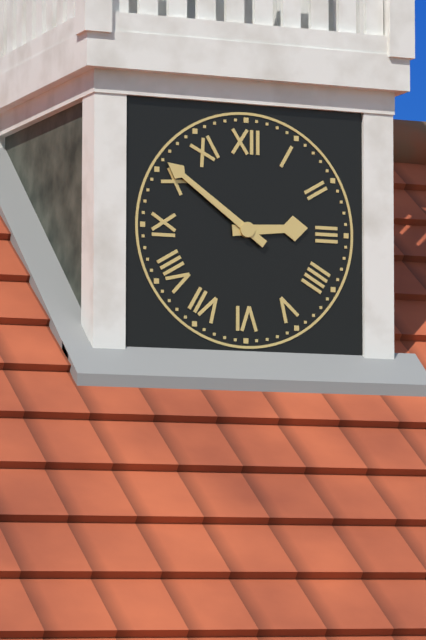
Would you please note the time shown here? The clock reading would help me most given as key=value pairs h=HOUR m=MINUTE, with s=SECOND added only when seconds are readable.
h=2 m=51
